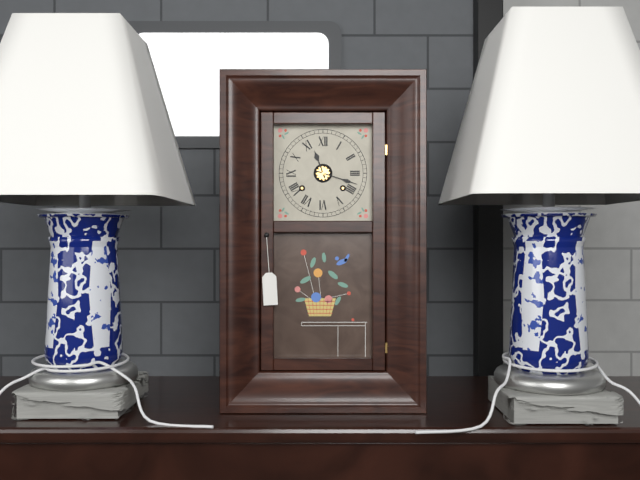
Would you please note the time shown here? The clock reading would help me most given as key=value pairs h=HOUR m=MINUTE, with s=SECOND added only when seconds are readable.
h=11 m=18
